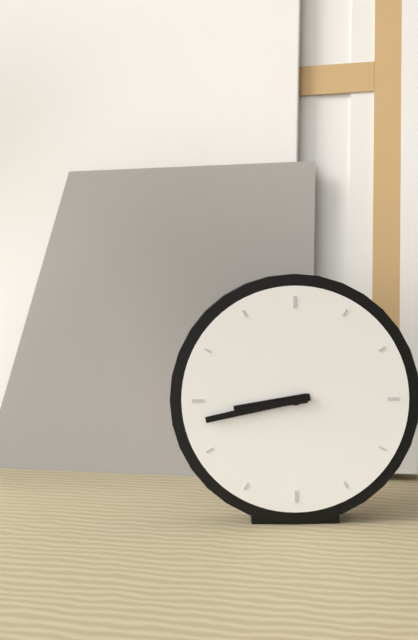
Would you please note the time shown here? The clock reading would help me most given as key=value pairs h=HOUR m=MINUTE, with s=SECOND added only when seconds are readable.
h=8 m=43
